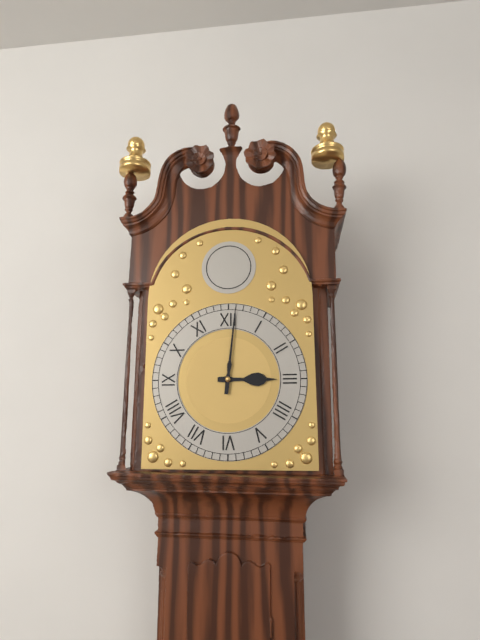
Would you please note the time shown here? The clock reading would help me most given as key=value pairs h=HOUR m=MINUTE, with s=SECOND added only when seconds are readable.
h=3 m=1
